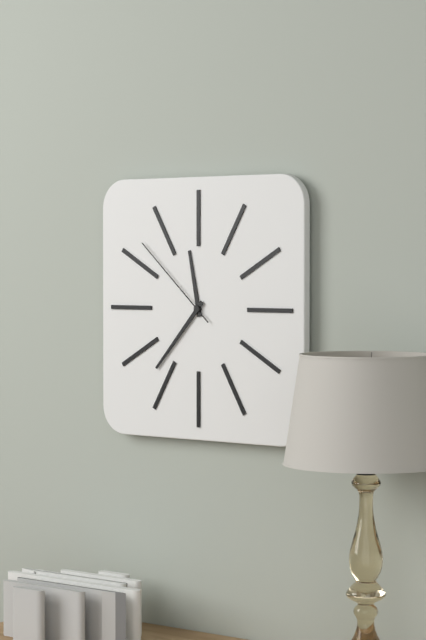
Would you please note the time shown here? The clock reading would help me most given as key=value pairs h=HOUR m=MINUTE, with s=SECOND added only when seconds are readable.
h=11 m=37 s=52
